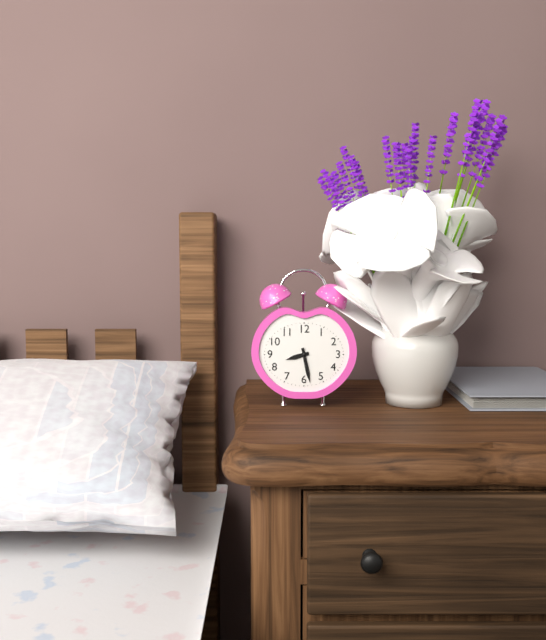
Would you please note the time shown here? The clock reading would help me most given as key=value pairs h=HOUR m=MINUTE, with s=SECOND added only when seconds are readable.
h=8 m=28
